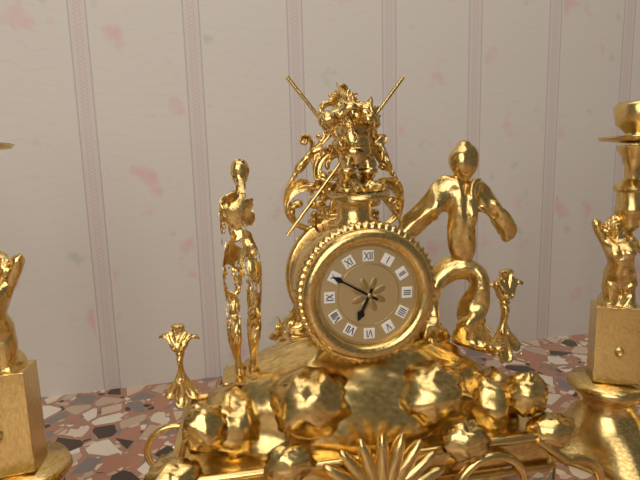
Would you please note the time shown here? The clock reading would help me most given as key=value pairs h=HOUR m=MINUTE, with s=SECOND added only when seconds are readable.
h=6 m=50
